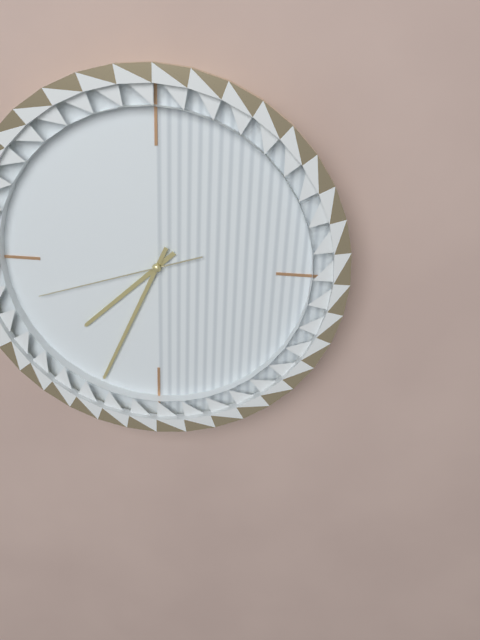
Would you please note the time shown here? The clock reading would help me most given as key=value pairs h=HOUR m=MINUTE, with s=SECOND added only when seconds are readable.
h=7 m=34 s=42
